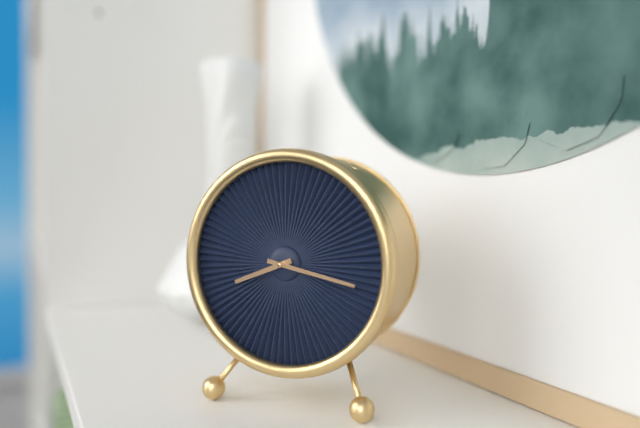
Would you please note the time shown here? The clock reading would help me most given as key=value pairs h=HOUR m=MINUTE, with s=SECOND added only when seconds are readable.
h=8 m=17
